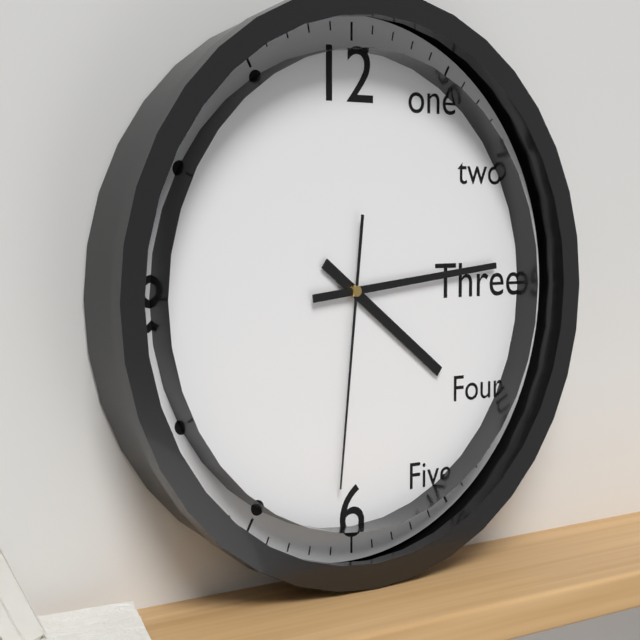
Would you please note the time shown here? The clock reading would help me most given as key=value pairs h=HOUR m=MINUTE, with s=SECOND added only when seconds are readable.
h=4 m=14 s=31
